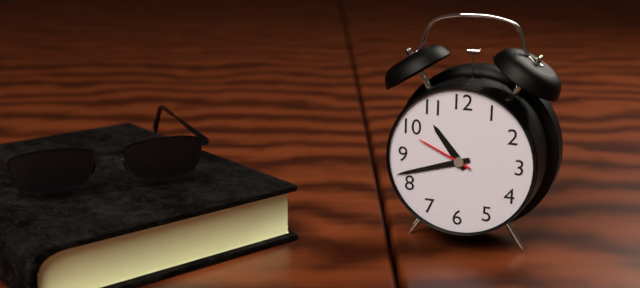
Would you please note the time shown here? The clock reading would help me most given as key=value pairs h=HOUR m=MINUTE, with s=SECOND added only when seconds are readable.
h=10 m=42 s=49
